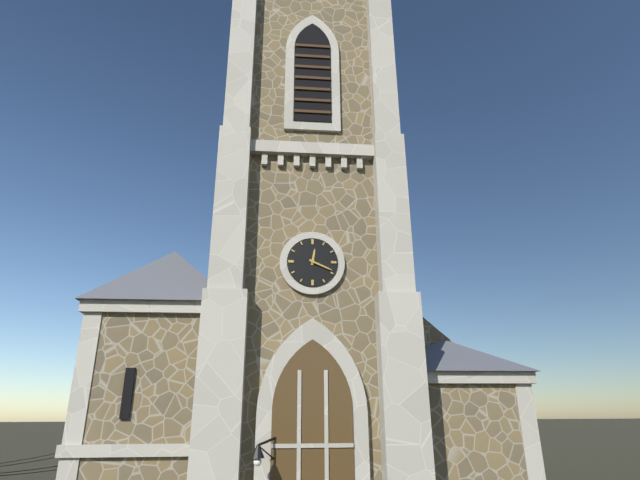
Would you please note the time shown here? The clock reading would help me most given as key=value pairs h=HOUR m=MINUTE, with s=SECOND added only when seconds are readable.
h=12 m=19
